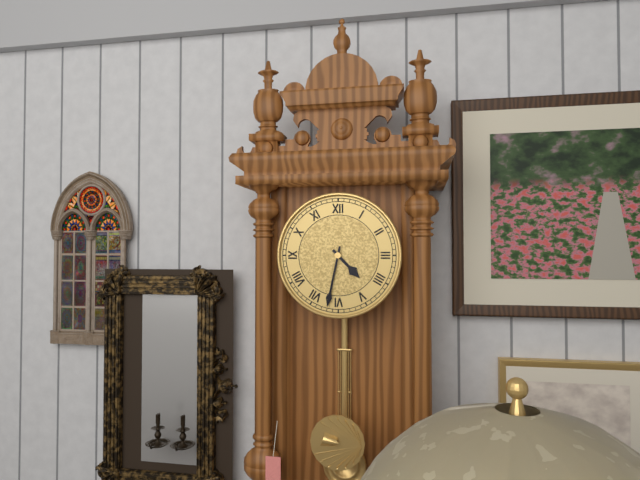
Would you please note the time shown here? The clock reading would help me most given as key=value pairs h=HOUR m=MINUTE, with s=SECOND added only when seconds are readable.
h=4 m=32
